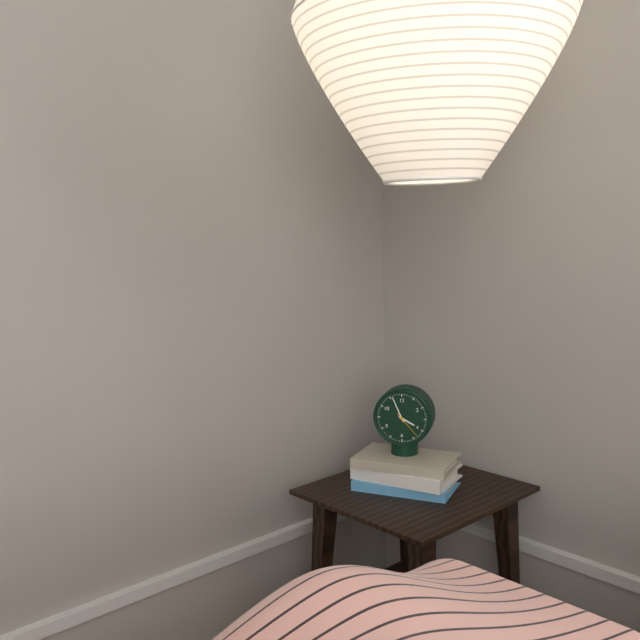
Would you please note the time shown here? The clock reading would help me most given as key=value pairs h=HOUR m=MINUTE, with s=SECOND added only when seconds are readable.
h=3 m=56
